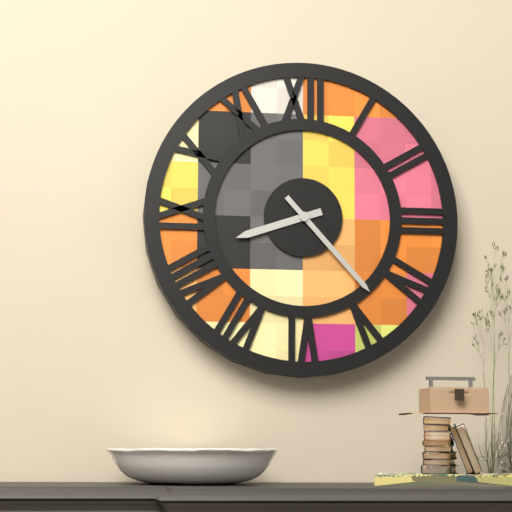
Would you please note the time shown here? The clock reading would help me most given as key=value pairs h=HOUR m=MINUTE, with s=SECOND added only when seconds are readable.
h=8 m=23
